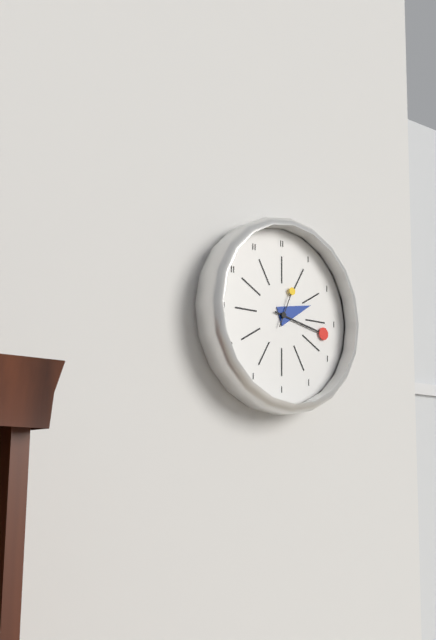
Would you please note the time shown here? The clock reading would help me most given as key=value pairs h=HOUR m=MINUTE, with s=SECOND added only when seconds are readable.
h=2 m=17
